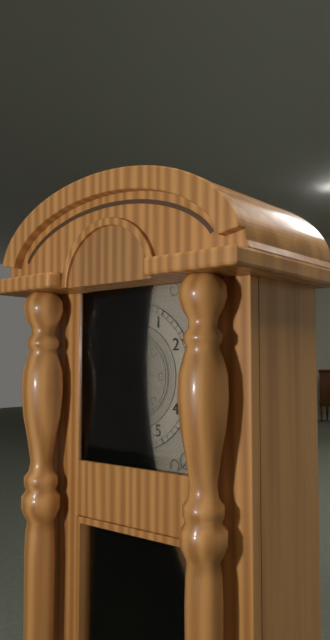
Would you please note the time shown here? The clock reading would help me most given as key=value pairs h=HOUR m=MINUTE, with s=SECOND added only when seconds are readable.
h=9 m=58
